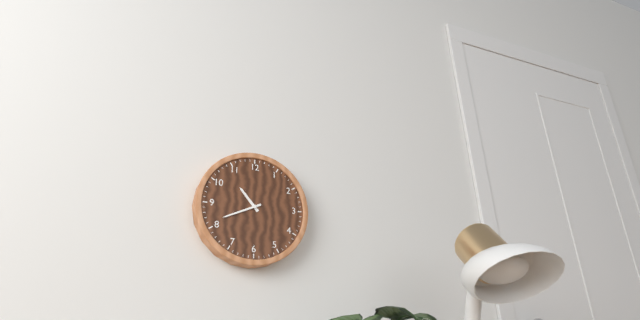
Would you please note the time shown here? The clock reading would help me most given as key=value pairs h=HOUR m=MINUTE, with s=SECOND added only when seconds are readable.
h=10 m=41
